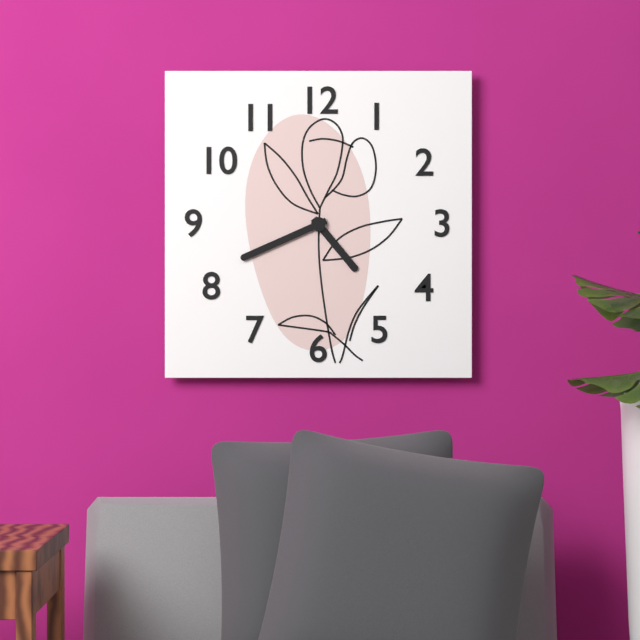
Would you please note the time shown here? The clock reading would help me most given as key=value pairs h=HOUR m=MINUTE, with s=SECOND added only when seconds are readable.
h=4 m=41
